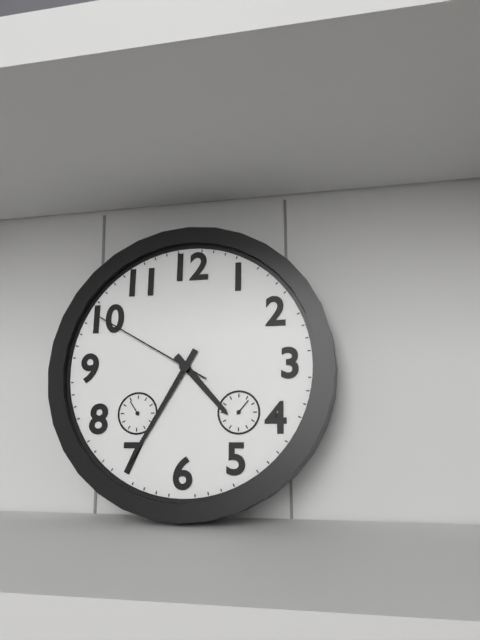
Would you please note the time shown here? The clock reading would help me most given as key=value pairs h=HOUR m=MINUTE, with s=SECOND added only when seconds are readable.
h=4 m=35 s=50
